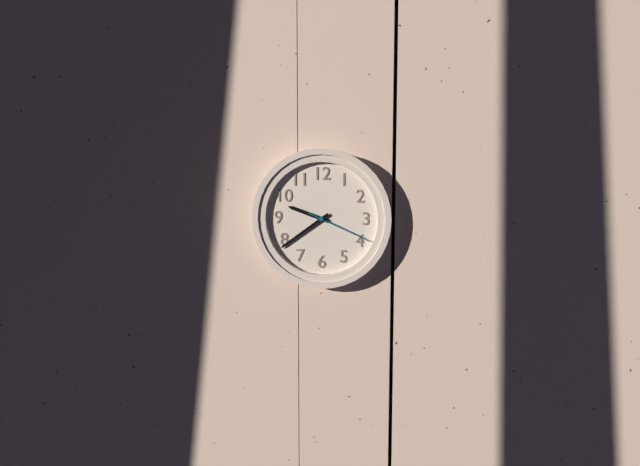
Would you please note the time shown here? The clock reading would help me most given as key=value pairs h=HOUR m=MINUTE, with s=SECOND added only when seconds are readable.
h=9 m=39 s=19
